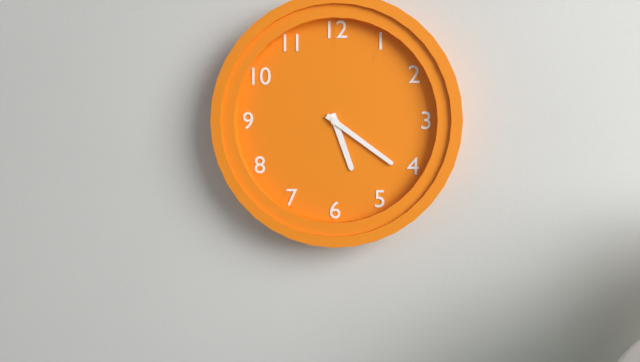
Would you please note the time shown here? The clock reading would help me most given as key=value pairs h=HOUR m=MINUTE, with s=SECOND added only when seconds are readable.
h=5 m=21
